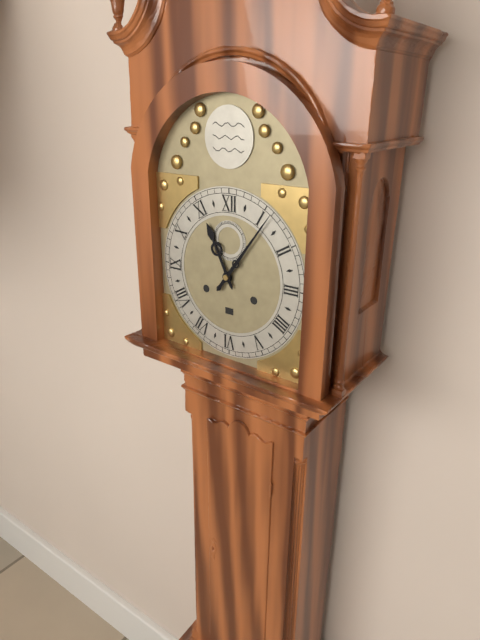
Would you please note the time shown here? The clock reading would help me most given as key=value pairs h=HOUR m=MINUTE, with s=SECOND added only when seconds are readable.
h=11 m=6
